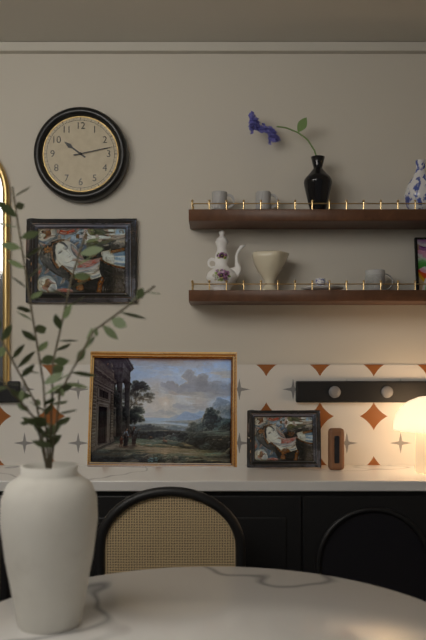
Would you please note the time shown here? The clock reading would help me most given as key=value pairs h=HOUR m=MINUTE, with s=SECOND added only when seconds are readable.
h=10 m=13
